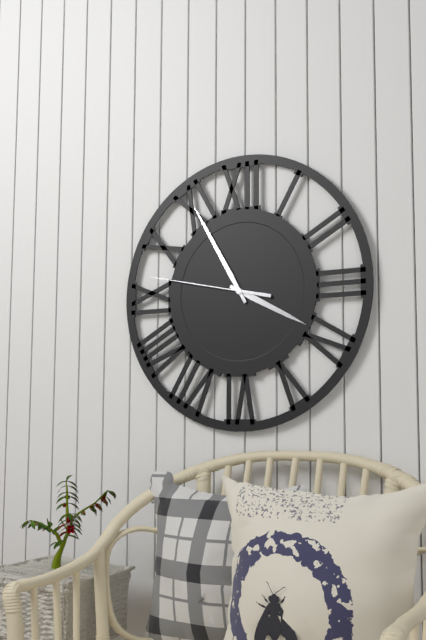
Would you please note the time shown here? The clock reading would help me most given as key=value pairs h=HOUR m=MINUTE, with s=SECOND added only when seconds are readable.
h=3 m=55 s=47
